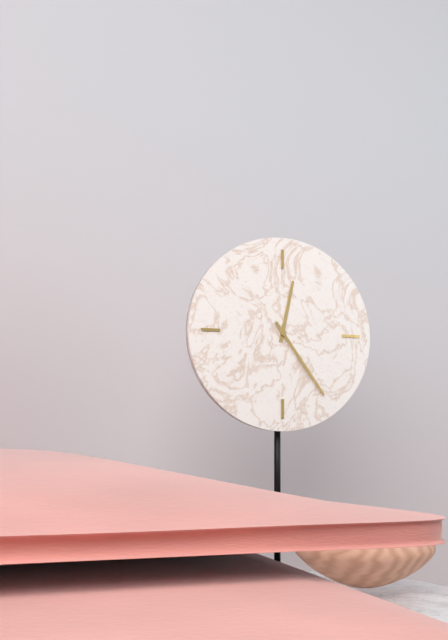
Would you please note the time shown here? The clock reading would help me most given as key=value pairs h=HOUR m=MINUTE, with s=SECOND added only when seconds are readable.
h=12 m=24
